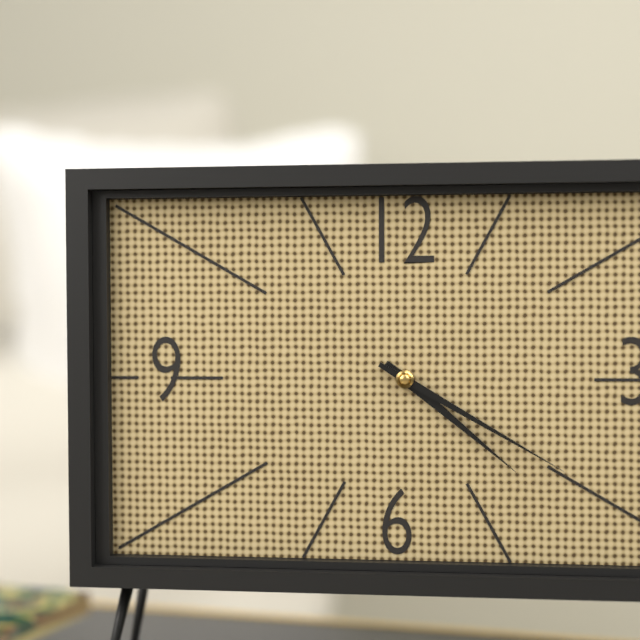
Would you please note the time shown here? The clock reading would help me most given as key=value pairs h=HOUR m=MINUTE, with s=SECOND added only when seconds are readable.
h=4 m=20
